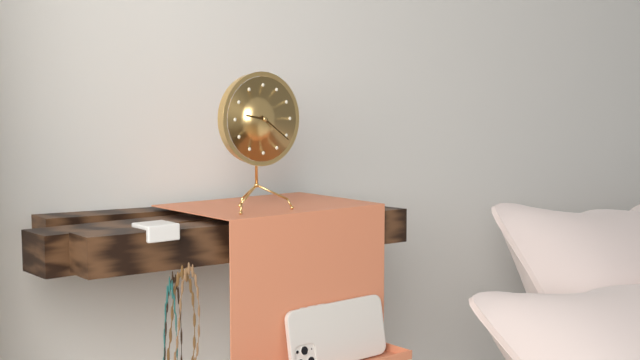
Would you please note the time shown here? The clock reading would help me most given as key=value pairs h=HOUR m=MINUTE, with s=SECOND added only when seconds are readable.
h=9 m=21
